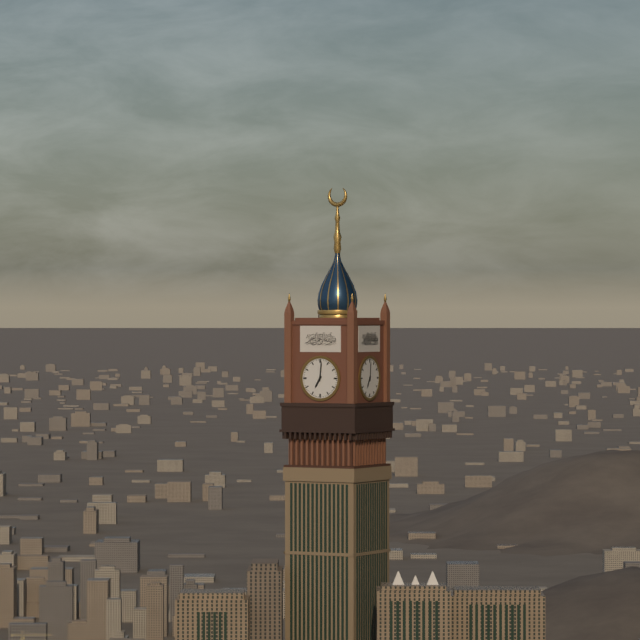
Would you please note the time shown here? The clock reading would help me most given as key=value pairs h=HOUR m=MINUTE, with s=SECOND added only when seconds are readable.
h=7 m=1
